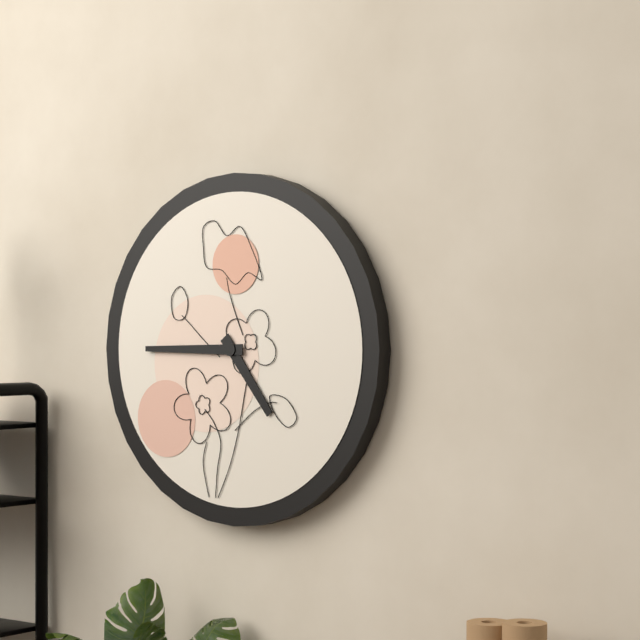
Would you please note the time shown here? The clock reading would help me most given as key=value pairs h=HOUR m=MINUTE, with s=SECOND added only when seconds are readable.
h=4 m=45
